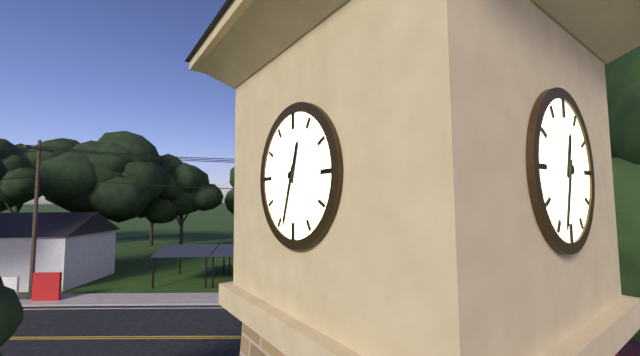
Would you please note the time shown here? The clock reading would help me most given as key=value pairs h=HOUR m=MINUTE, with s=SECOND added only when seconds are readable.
h=12 m=33
